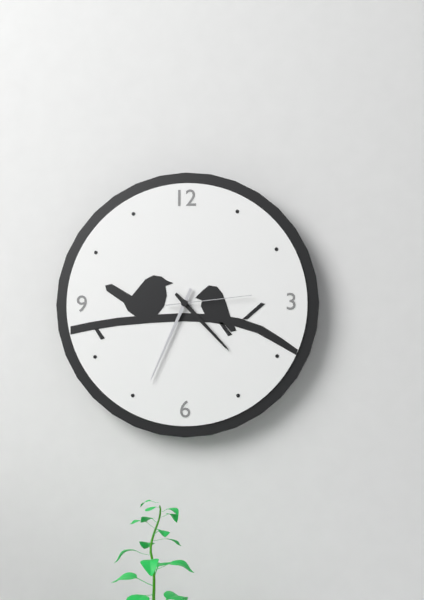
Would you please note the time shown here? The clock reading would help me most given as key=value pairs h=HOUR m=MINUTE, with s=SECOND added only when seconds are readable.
h=4 m=34 s=14
